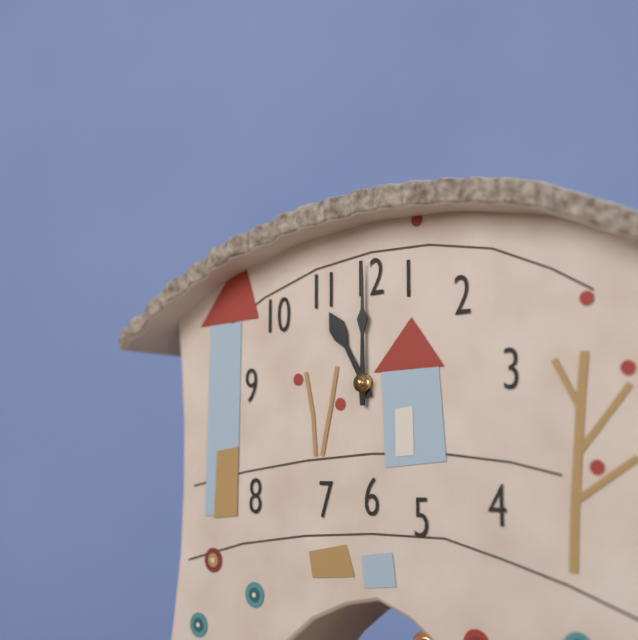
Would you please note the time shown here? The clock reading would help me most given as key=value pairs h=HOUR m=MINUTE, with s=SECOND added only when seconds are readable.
h=11 m=0
